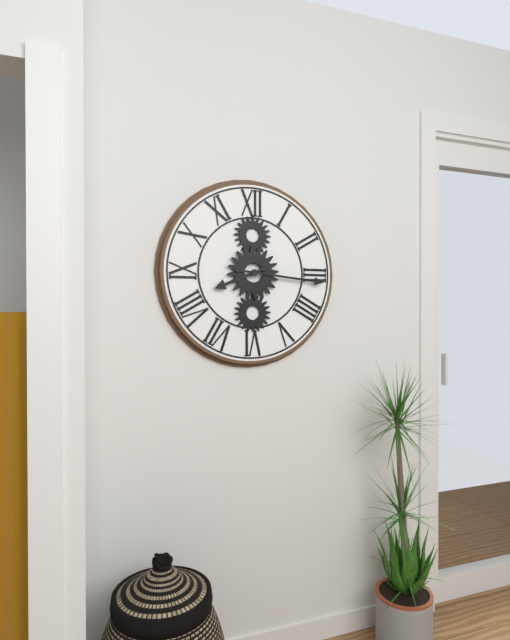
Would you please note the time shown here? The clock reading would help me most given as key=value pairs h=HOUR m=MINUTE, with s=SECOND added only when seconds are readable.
h=8 m=16
